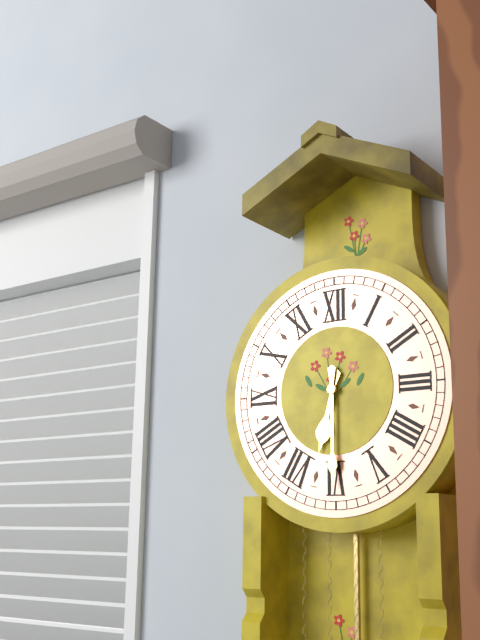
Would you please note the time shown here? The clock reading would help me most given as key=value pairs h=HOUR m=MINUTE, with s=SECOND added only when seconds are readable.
h=6 m=30
